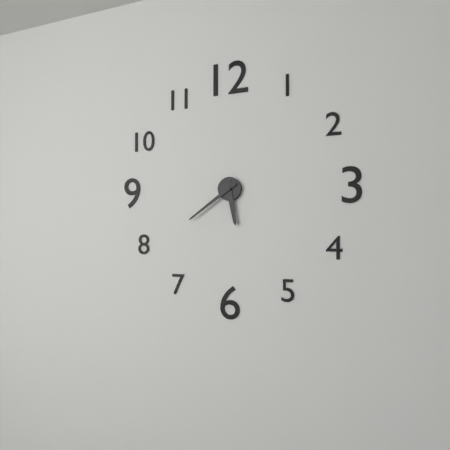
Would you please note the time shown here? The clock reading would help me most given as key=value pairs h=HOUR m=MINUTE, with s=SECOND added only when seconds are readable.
h=5 m=39
